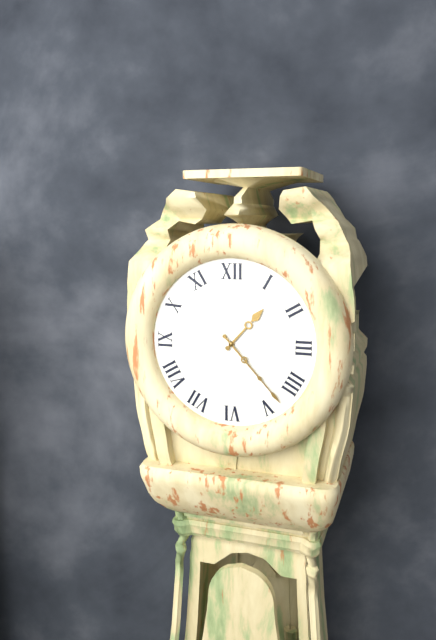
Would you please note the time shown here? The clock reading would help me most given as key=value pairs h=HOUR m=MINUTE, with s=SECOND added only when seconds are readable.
h=1 m=23
